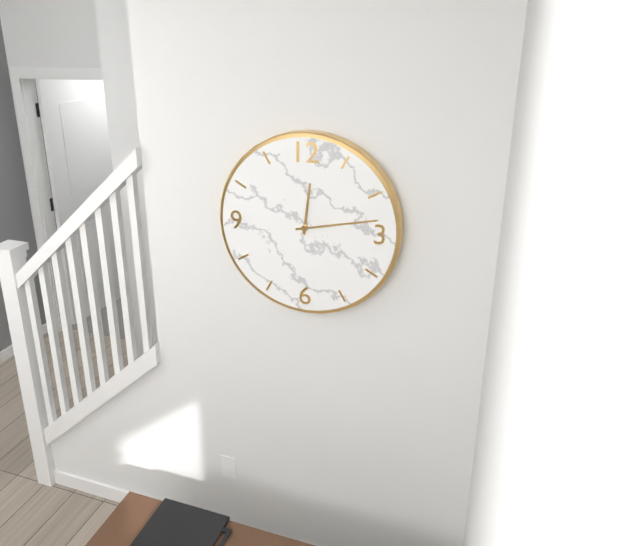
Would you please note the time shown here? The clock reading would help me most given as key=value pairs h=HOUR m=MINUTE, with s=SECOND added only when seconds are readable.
h=12 m=13
